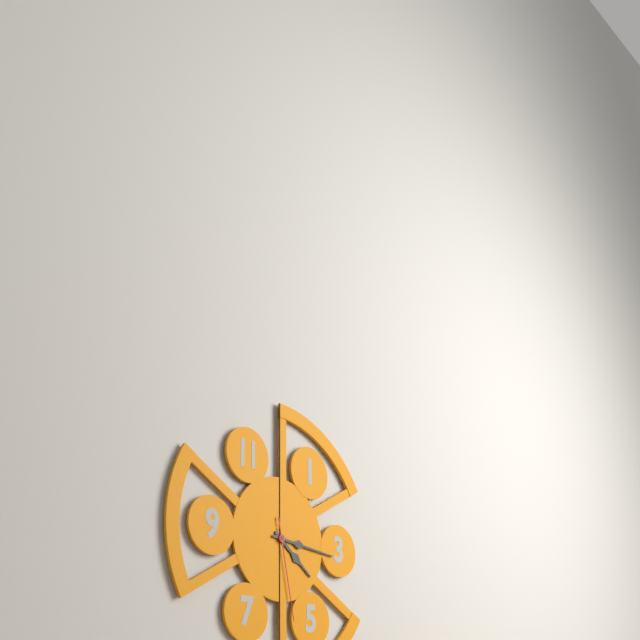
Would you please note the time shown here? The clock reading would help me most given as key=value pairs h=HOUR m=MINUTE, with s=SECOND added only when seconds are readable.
h=4 m=16 s=28
